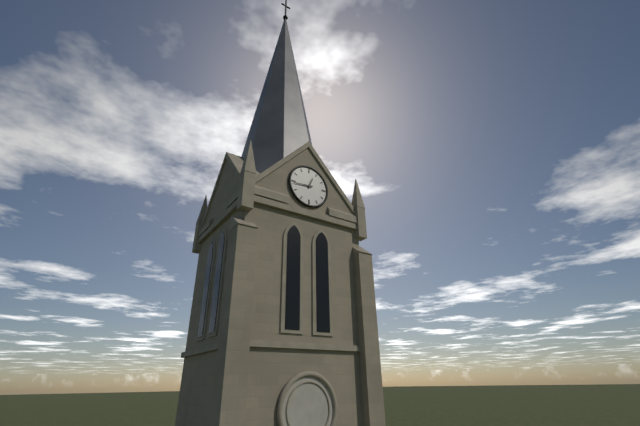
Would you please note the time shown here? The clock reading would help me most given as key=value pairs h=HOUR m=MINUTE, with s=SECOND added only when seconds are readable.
h=12 m=44
